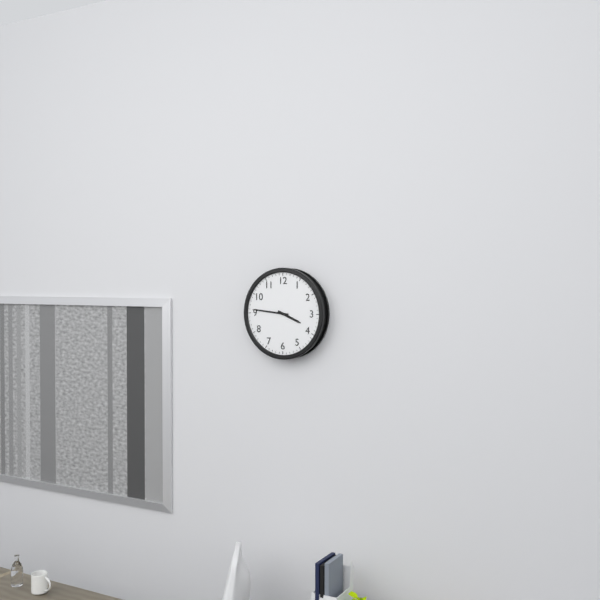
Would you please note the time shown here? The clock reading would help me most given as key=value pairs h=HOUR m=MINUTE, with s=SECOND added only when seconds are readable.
h=3 m=46
